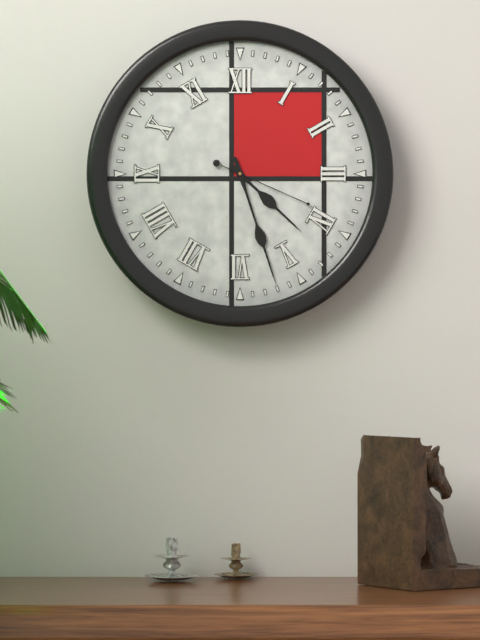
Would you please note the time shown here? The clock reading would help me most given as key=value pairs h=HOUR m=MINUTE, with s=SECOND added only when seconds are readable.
h=4 m=27 s=19
